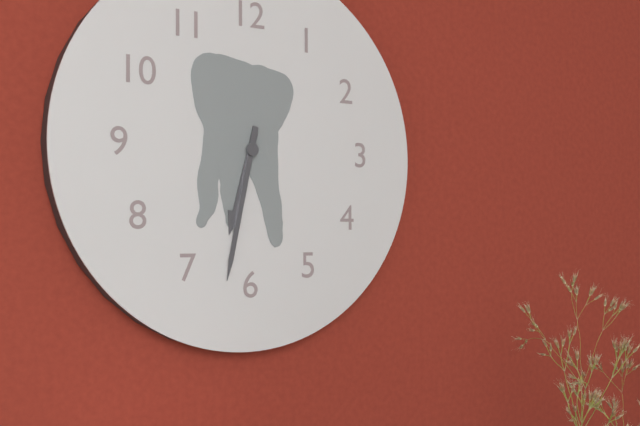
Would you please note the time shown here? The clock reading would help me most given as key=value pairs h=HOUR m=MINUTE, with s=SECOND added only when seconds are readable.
h=6 m=32
